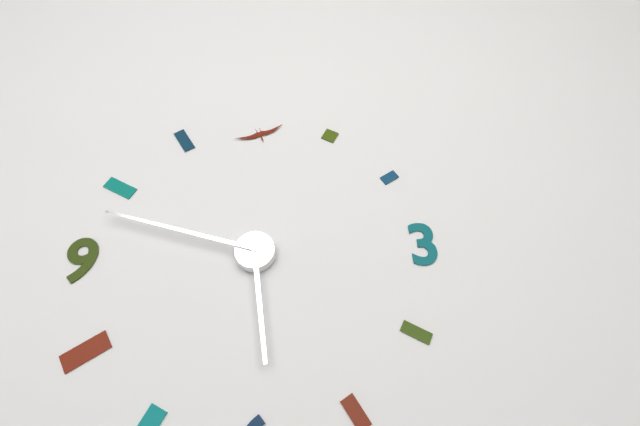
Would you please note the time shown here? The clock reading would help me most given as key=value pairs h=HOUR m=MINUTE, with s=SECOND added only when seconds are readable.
h=5 m=48
